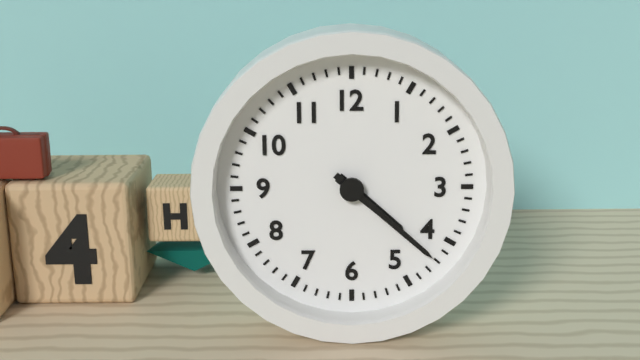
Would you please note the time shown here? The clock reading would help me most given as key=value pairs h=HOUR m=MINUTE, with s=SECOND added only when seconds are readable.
h=4 m=22
